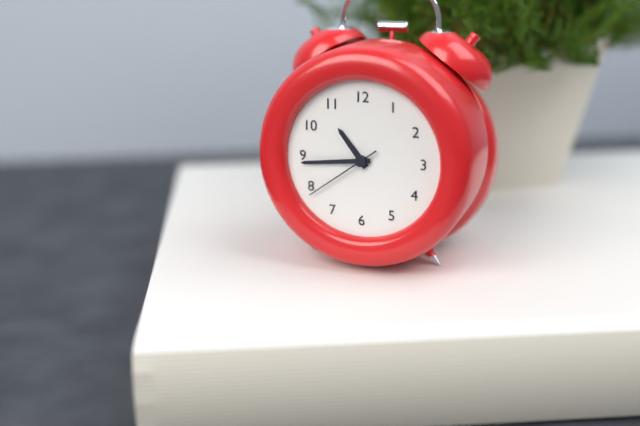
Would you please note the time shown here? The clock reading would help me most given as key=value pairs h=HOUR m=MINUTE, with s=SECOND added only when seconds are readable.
h=10 m=44 s=39
